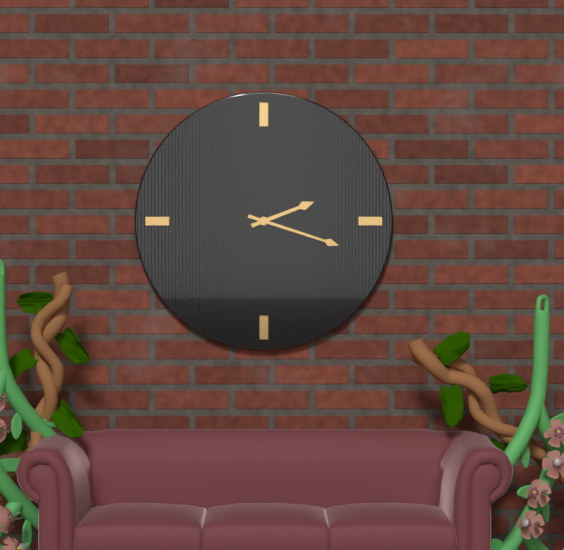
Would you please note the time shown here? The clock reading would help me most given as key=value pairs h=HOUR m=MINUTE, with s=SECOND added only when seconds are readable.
h=2 m=18
